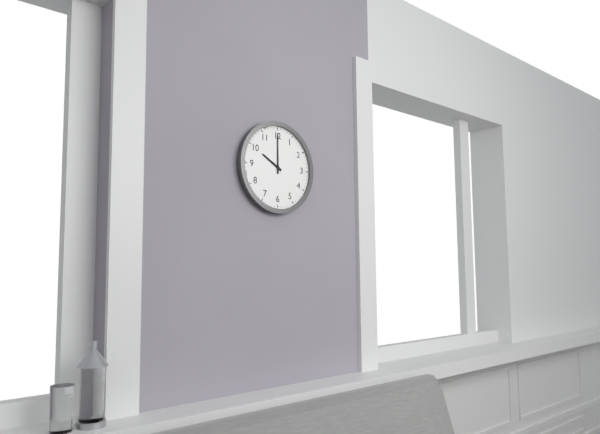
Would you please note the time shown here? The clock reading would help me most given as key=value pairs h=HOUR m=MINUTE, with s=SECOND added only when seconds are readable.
h=10 m=0
